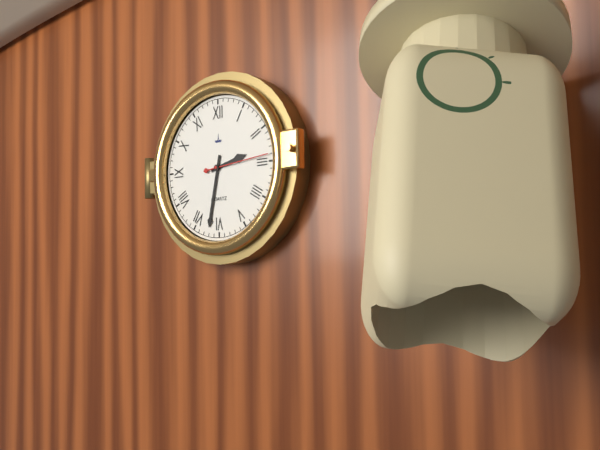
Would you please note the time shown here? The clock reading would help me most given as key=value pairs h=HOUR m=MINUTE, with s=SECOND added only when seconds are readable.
h=2 m=32 s=14
